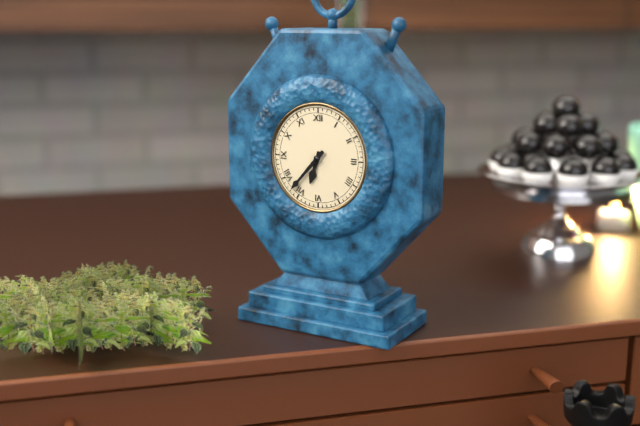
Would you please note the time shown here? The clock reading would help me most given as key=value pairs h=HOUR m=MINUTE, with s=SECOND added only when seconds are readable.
h=6 m=37
